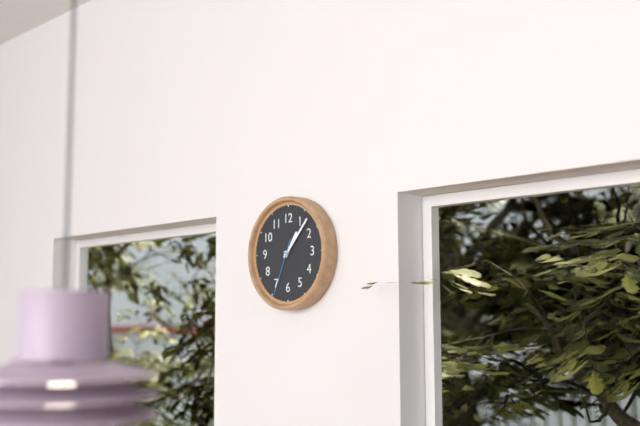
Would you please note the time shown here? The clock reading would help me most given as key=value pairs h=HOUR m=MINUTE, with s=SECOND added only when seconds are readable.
h=1 m=7 s=34
